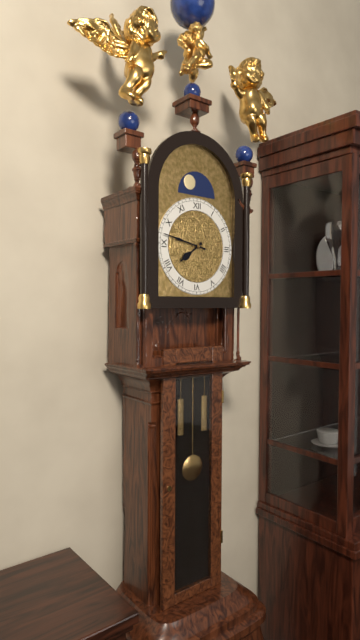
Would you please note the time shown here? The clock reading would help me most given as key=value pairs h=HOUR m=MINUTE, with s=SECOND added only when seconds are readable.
h=7 m=47
